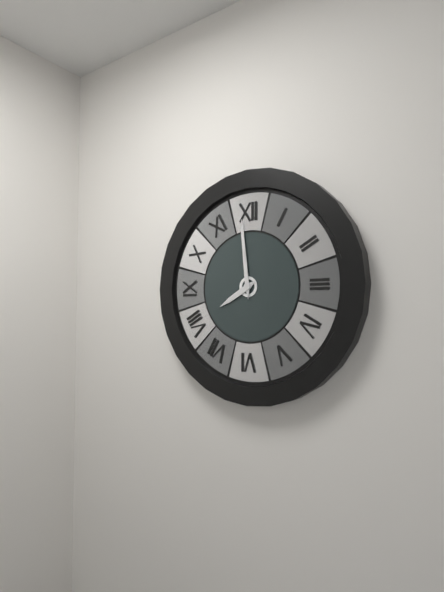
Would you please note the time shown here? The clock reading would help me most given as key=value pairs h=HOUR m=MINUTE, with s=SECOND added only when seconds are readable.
h=7 m=59
